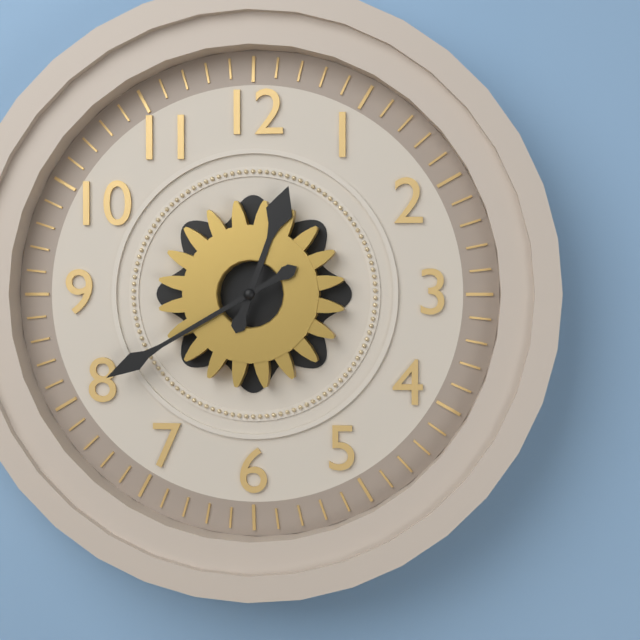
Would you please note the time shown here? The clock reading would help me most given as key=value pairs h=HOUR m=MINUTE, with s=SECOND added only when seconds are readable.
h=12 m=40
